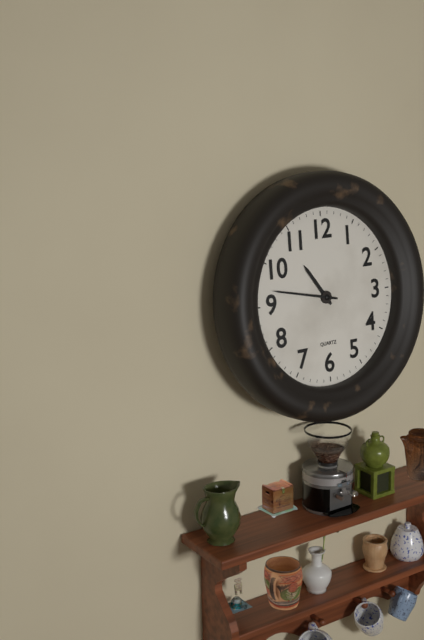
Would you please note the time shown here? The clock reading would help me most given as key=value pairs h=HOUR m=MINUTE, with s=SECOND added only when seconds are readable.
h=10 m=47
